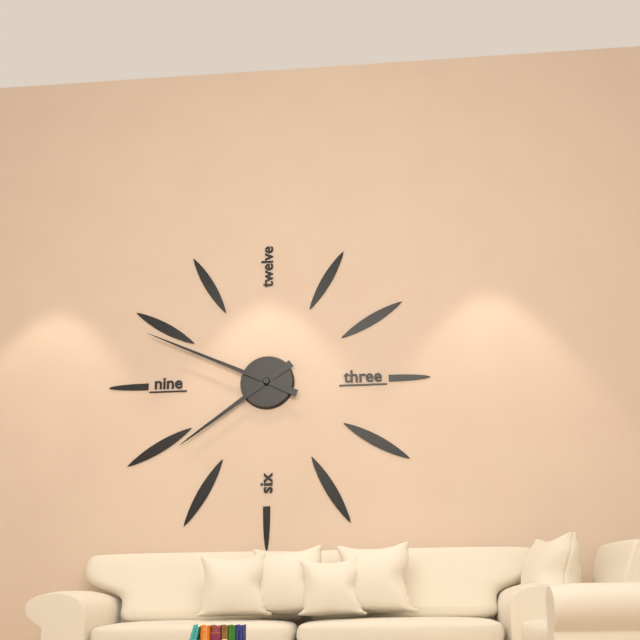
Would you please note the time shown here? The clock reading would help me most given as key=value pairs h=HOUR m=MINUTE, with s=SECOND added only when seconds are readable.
h=7 m=49
